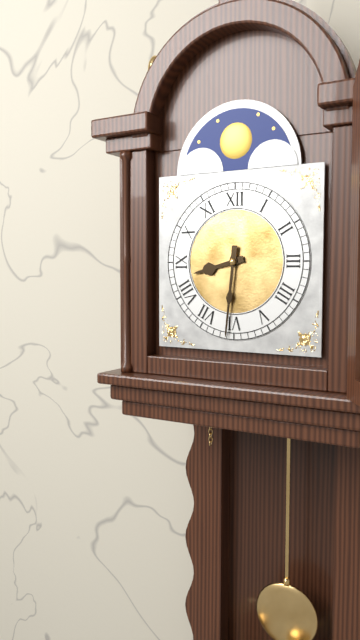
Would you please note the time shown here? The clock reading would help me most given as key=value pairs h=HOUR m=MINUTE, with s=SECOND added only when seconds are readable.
h=8 m=31
